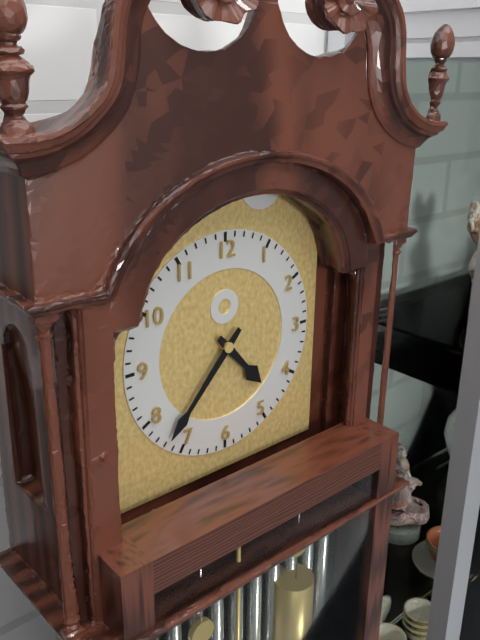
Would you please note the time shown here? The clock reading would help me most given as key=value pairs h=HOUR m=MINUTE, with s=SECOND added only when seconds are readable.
h=4 m=37
